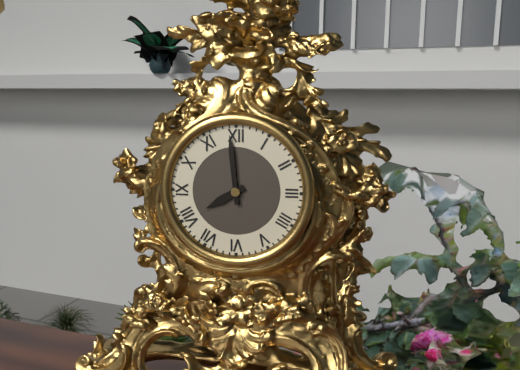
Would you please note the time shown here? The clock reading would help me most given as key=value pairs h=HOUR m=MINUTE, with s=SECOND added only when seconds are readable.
h=7 m=59
